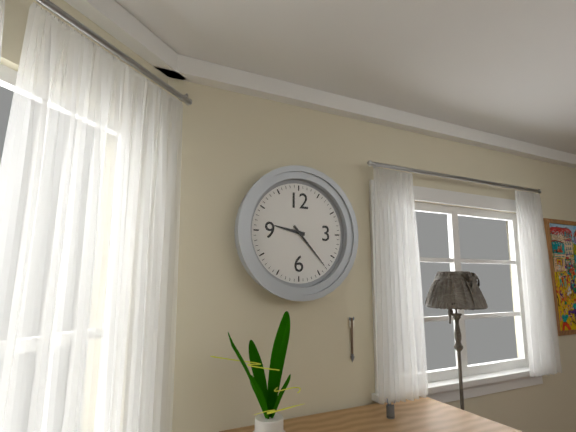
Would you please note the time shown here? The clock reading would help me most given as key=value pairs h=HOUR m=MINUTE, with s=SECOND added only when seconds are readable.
h=9 m=23
